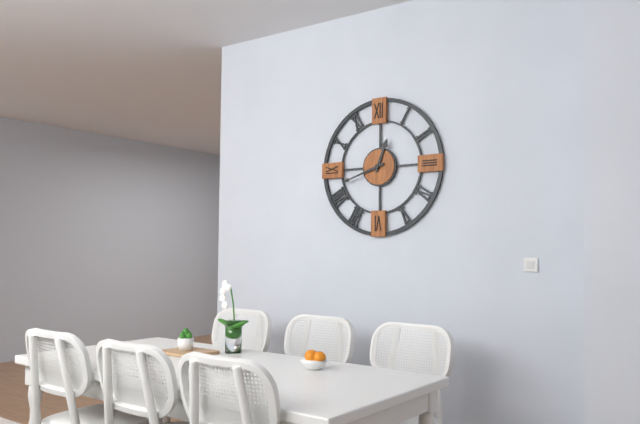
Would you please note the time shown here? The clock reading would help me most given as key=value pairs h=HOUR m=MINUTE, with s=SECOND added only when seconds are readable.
h=12 m=42
